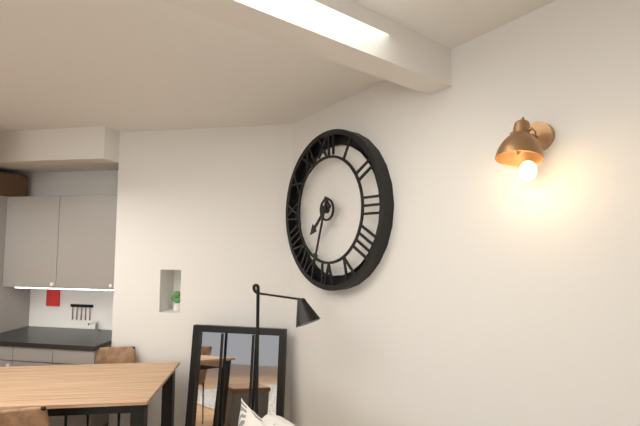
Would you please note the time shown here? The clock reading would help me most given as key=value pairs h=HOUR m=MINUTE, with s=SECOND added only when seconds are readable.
h=7 m=33
